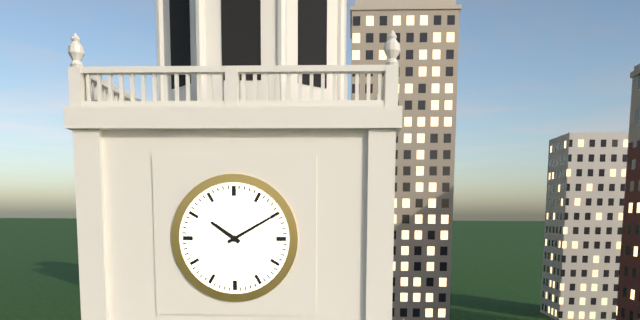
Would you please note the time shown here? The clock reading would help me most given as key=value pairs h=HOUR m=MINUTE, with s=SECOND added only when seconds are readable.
h=10 m=10
